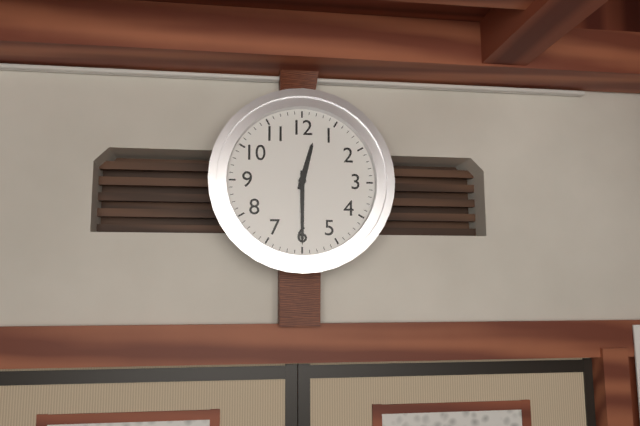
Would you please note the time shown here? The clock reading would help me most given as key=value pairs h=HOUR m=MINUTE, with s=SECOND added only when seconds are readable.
h=12 m=30
